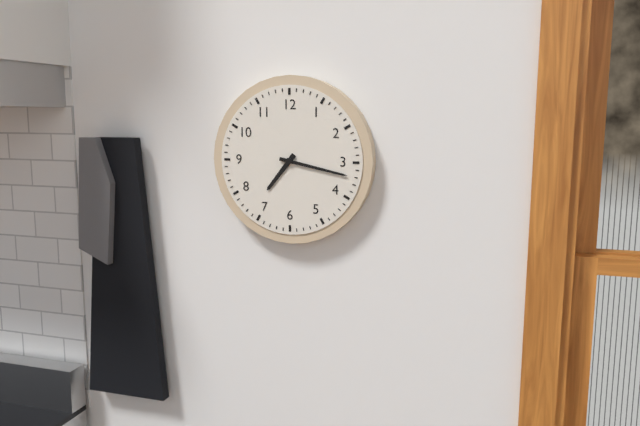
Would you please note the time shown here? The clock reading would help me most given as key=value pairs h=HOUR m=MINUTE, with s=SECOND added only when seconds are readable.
h=7 m=17
